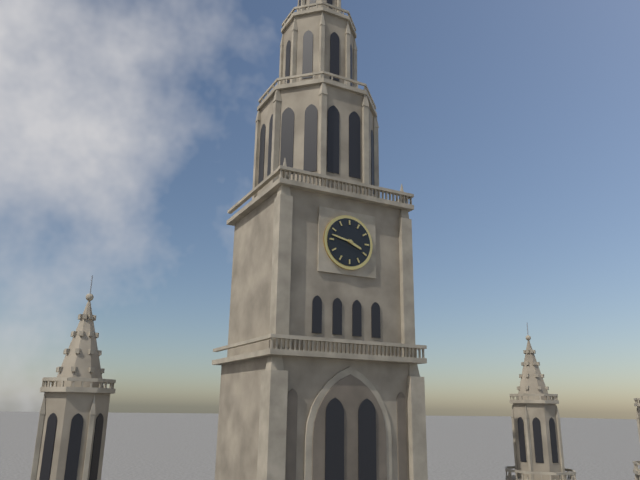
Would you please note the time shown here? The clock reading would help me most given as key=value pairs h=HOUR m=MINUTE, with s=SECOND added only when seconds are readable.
h=3 m=47
